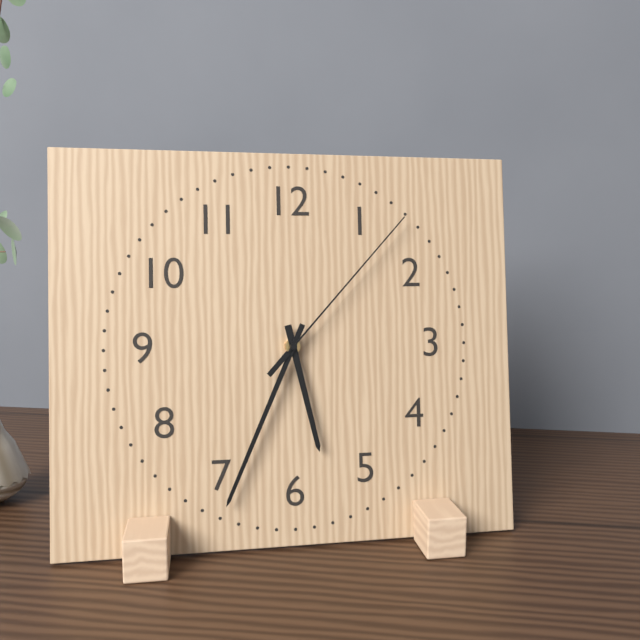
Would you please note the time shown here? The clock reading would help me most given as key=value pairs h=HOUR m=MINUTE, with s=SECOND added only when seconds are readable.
h=5 m=34 s=7
